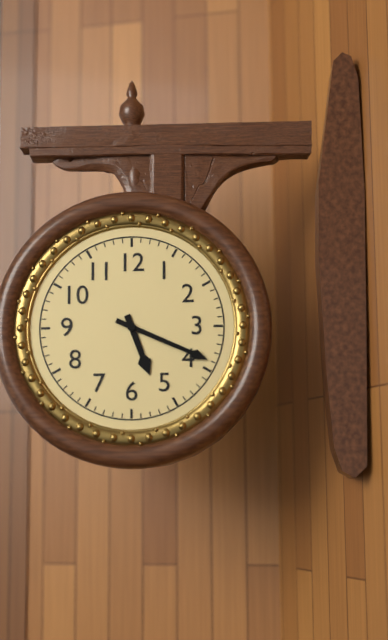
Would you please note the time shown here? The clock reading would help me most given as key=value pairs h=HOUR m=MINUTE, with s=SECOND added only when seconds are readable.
h=5 m=19
